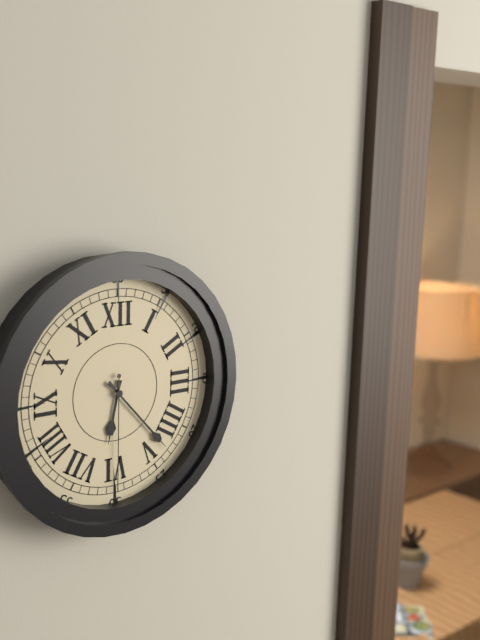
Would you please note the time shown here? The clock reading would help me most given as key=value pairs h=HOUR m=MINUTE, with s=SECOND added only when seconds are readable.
h=6 m=23 s=30
